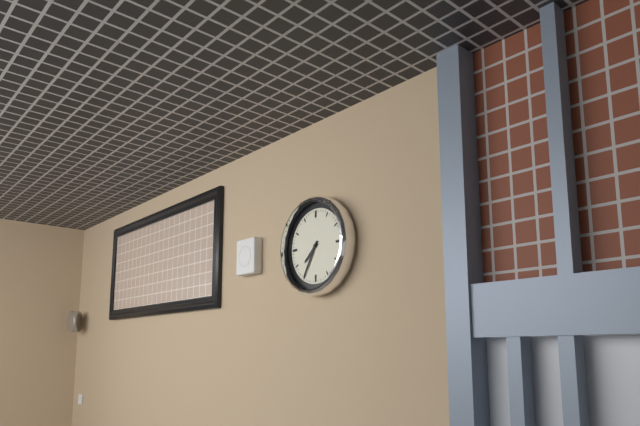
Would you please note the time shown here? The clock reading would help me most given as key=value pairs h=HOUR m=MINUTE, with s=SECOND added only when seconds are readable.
h=7 m=35
